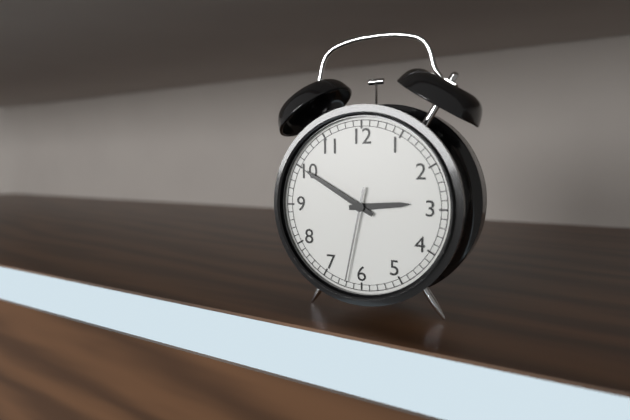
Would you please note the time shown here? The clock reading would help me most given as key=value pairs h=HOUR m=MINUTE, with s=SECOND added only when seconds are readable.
h=2 m=50 s=32
